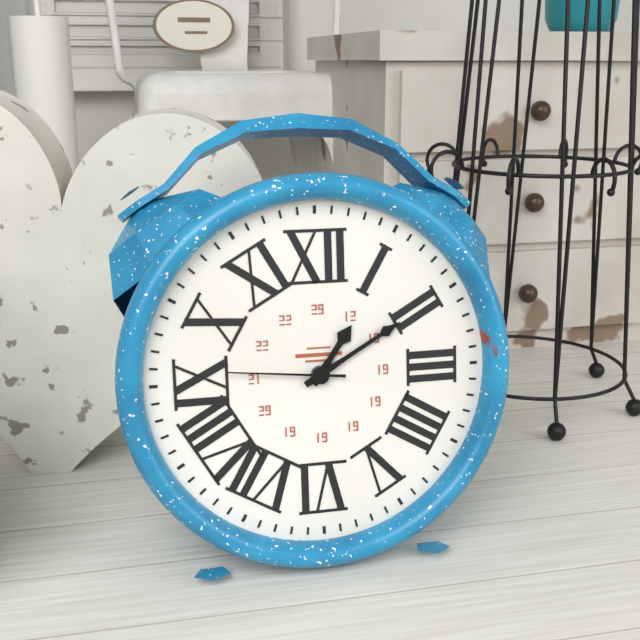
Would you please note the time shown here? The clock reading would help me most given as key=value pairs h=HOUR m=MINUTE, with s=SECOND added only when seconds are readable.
h=1 m=10 s=46
